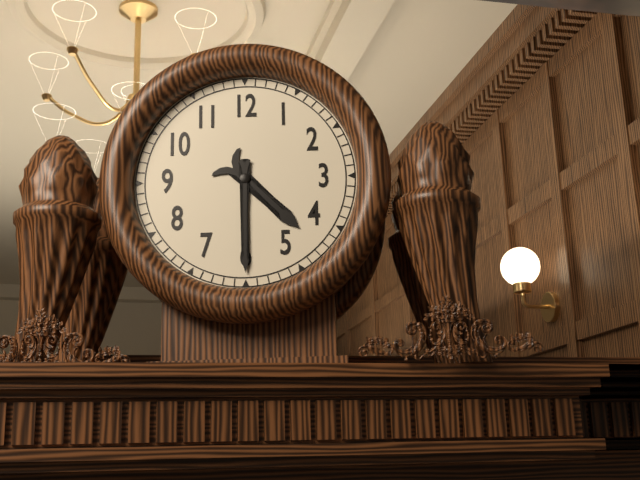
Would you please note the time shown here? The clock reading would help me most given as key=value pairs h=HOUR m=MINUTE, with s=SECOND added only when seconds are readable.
h=4 m=30
